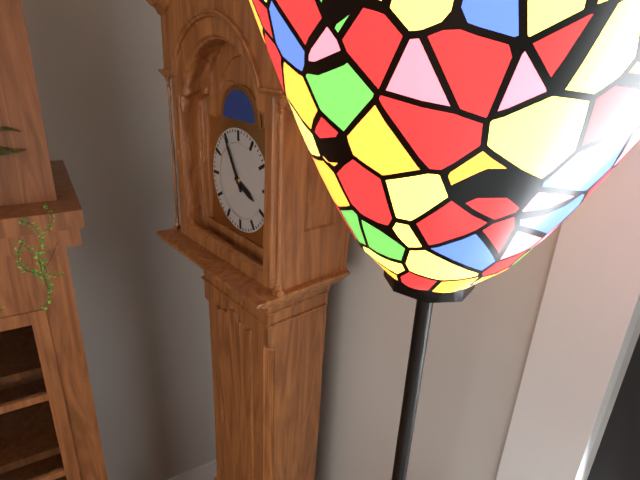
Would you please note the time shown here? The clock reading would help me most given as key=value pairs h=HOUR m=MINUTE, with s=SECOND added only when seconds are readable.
h=3 m=55
